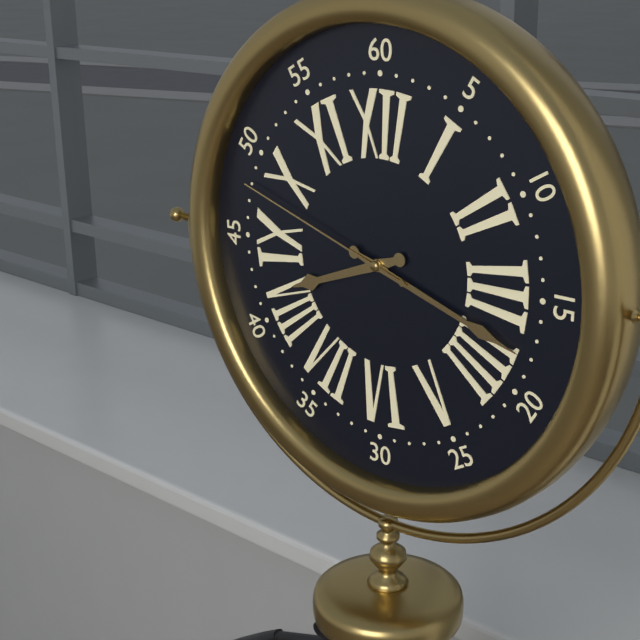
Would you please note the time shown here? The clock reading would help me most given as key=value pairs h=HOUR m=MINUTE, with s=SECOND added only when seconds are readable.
h=8 m=18 s=48
